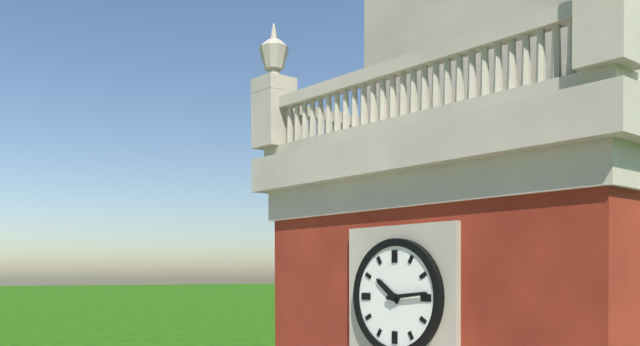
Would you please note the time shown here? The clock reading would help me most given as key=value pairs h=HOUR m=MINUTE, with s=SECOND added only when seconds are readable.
h=10 m=14
